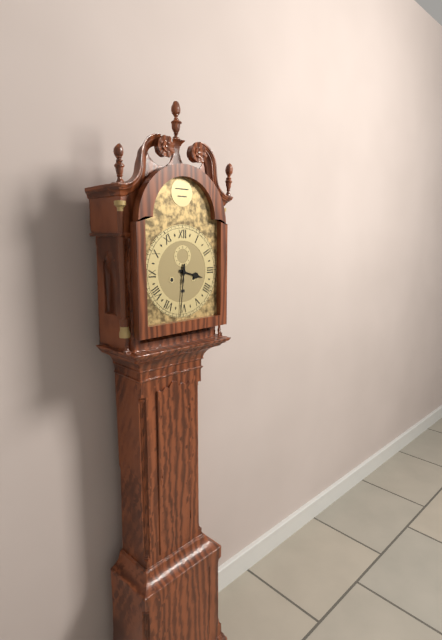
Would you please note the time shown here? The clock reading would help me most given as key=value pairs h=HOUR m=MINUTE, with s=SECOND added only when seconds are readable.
h=3 m=31
